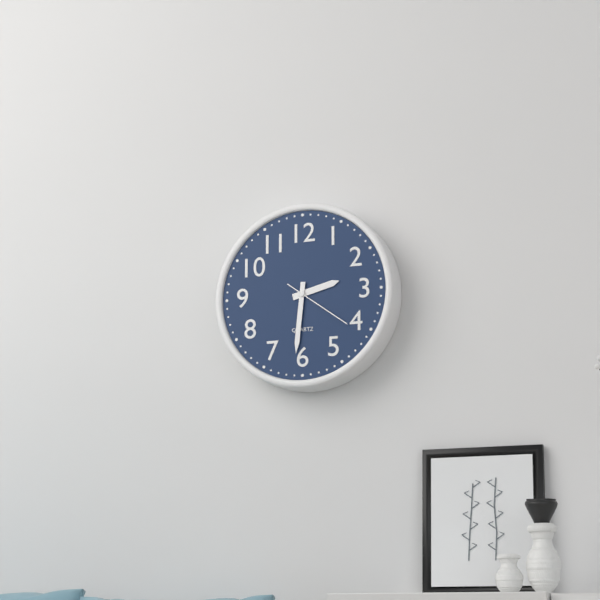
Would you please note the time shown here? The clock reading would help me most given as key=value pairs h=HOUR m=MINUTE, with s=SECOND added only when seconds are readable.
h=2 m=31 s=21
